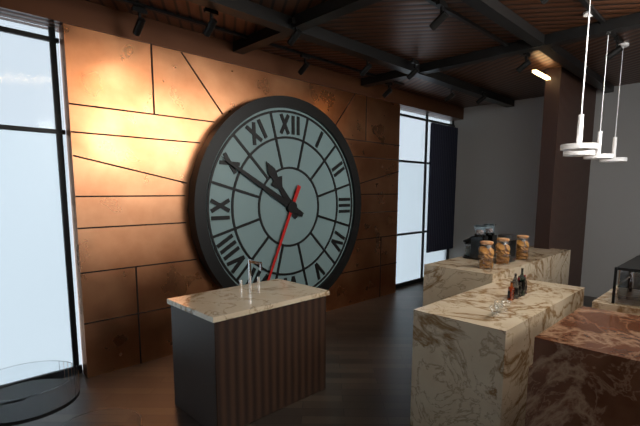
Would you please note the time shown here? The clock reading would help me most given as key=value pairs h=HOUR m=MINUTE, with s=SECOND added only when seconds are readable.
h=10 m=50 s=34
